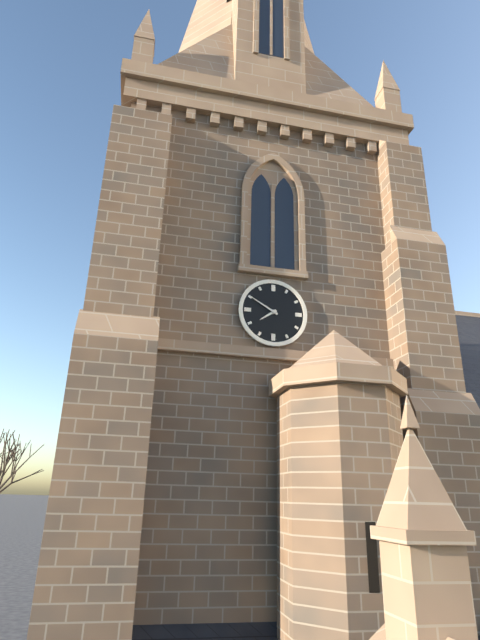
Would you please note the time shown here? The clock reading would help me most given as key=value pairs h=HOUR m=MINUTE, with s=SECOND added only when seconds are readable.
h=7 m=50
